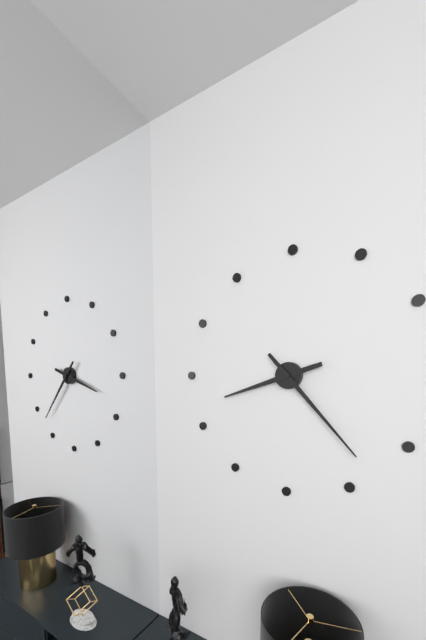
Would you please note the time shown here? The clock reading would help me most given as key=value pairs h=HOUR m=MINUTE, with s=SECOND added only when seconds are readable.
h=8 m=23
